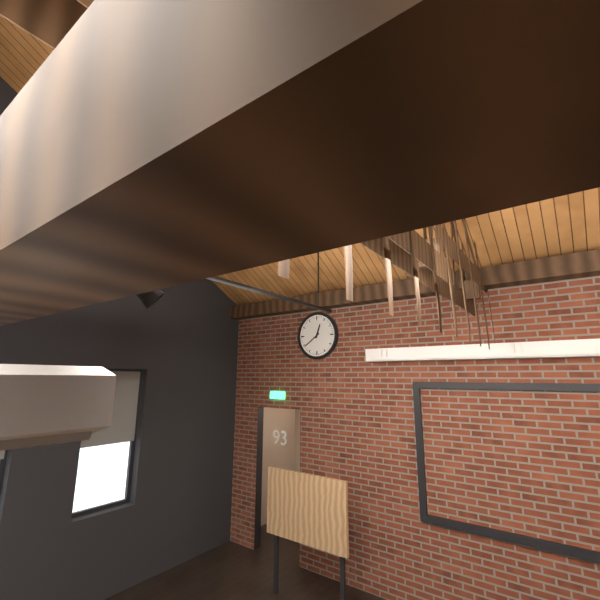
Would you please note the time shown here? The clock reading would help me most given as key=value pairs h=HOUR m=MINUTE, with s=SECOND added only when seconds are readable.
h=12 m=39
